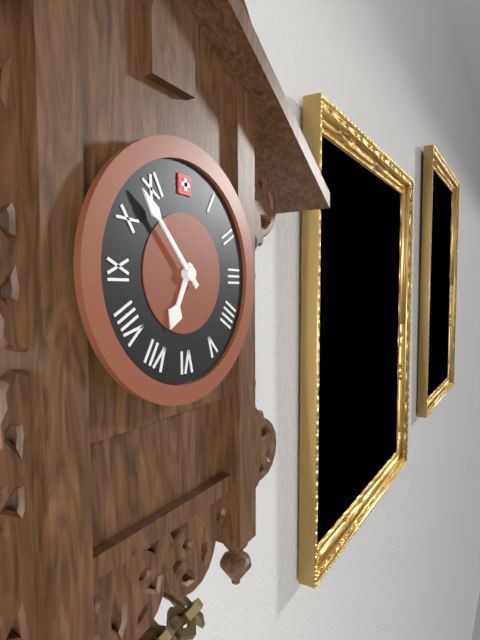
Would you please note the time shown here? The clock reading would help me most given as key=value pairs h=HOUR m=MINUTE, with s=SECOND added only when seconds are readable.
h=6 m=53
